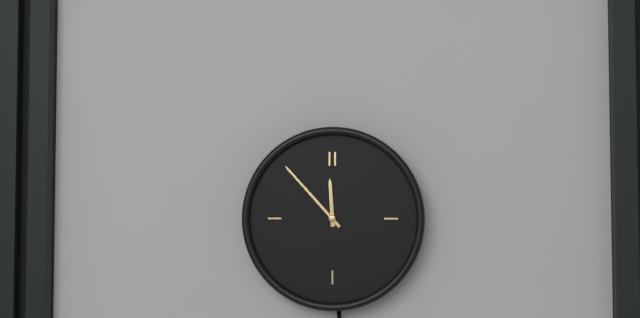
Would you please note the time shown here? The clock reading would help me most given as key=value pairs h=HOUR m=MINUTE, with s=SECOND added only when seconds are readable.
h=11 m=53
